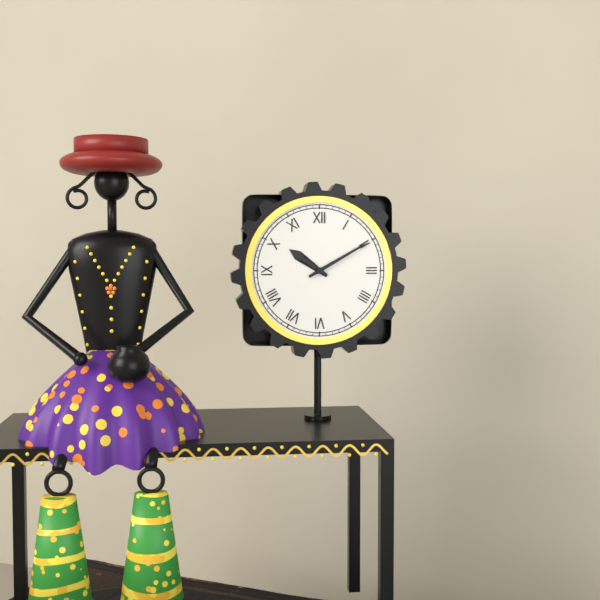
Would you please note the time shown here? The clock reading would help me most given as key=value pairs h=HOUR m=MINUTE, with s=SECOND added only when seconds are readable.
h=10 m=10
